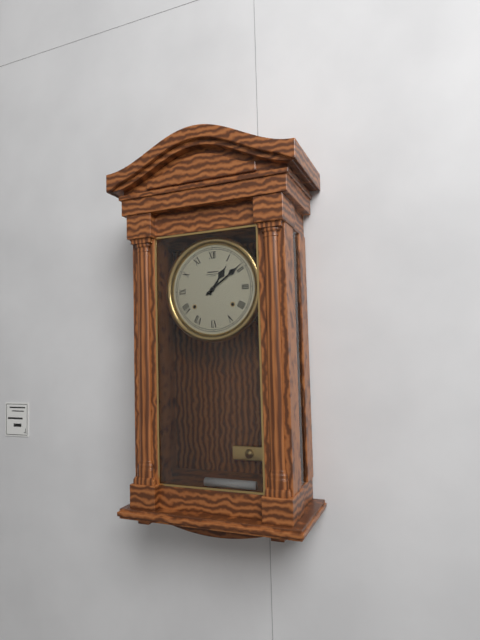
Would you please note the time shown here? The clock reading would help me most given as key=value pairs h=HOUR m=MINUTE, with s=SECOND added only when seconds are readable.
h=1 m=9
